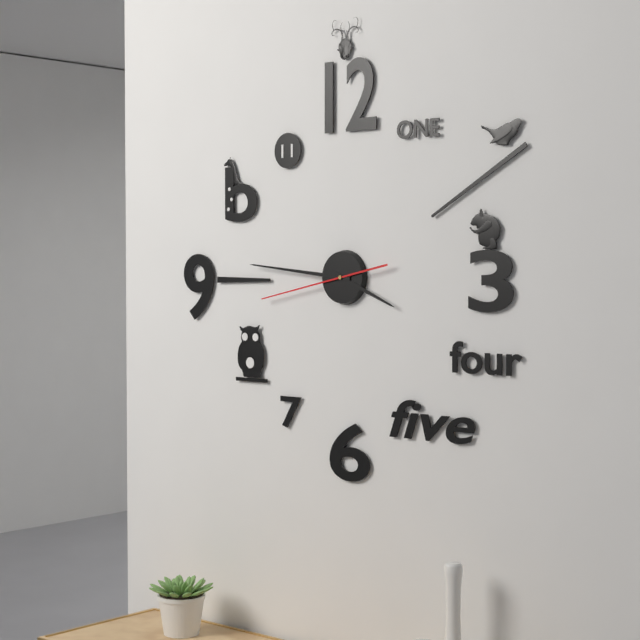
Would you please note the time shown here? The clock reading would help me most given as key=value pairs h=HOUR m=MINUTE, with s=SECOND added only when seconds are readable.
h=3 m=46 s=43
